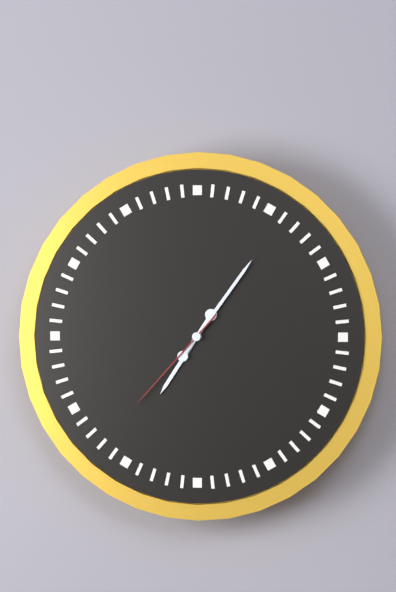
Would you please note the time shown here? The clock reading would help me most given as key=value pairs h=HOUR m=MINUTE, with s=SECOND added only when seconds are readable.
h=7 m=6 s=37
